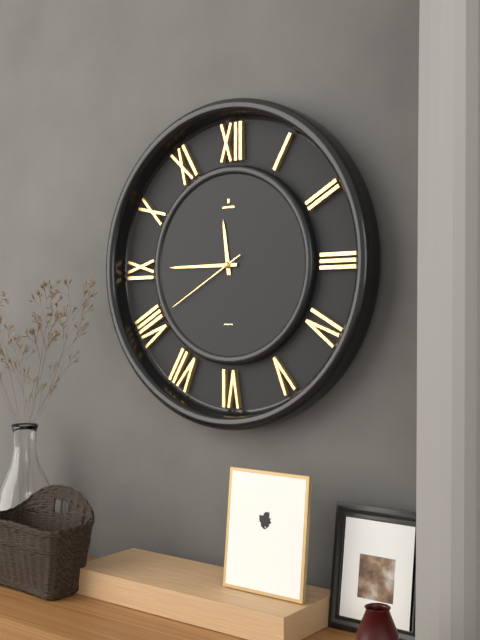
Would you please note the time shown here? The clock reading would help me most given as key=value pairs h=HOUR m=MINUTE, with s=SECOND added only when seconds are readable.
h=11 m=45 s=40
